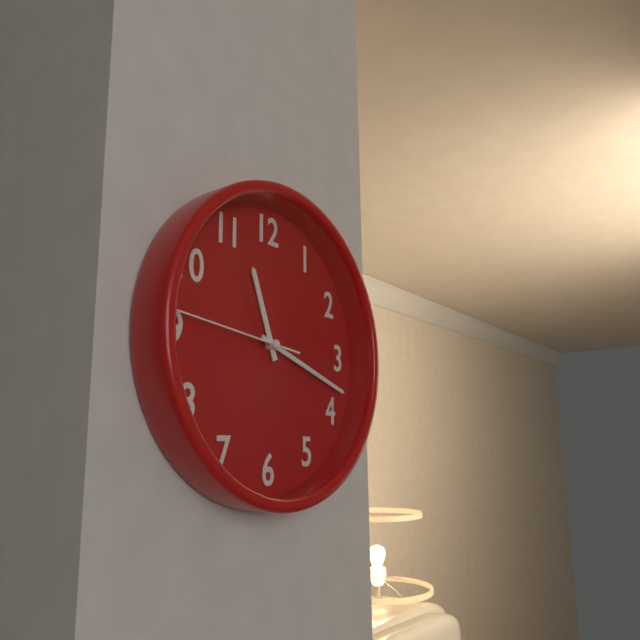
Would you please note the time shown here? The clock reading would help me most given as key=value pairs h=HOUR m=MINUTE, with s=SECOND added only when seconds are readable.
h=11 m=18 s=46
